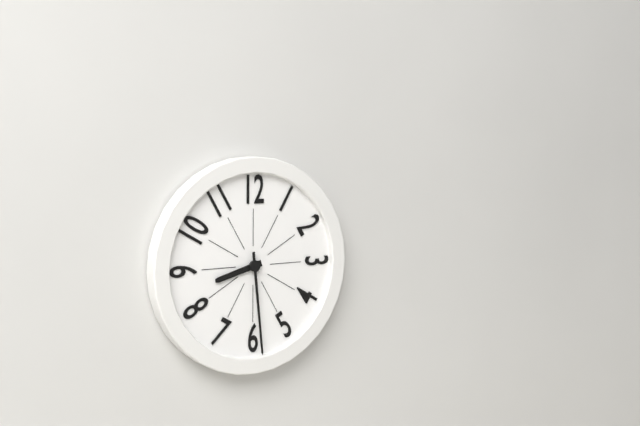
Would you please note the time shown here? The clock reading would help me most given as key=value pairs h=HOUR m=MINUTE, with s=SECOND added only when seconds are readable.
h=8 m=29
